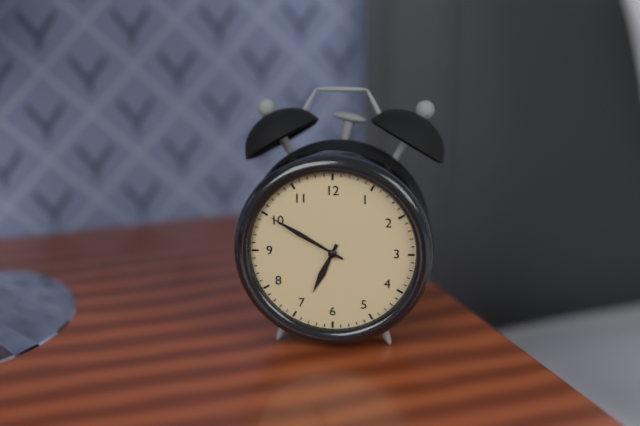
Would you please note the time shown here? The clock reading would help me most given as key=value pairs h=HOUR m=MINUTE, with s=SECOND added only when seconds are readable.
h=6 m=50
